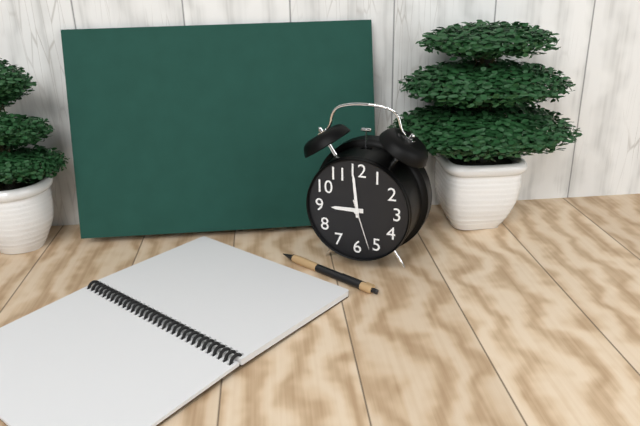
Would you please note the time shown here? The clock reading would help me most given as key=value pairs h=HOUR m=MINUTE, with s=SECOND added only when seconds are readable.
h=8 m=59 s=27
